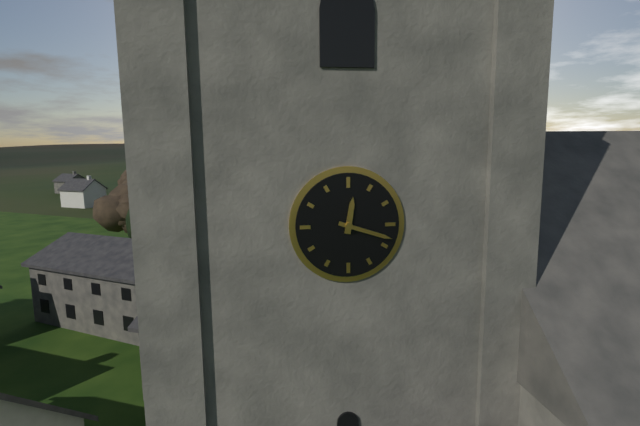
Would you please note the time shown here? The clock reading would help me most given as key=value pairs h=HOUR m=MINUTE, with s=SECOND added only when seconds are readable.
h=12 m=18
